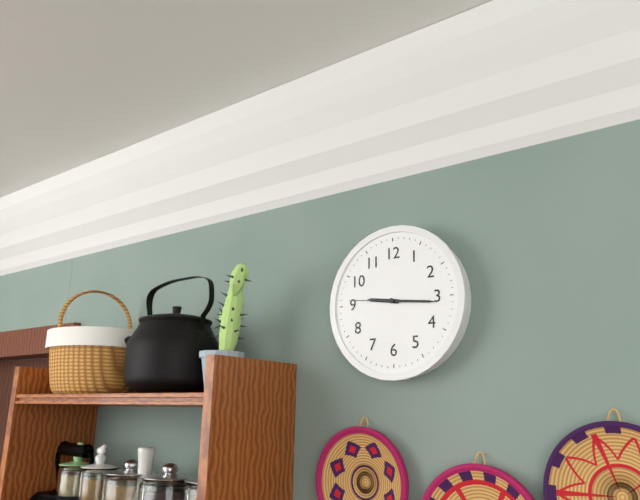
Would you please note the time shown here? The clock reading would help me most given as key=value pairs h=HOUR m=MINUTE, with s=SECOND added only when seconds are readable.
h=9 m=16 s=46
